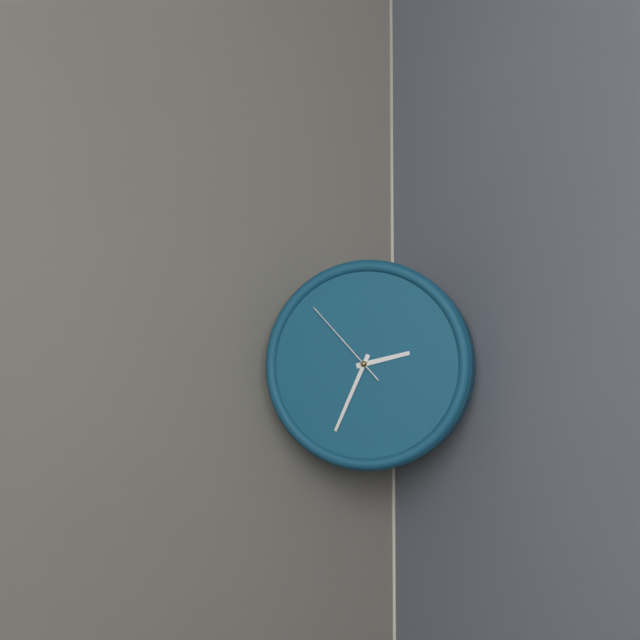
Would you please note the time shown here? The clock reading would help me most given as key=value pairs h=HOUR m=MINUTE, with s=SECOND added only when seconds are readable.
h=2 m=34 s=53
